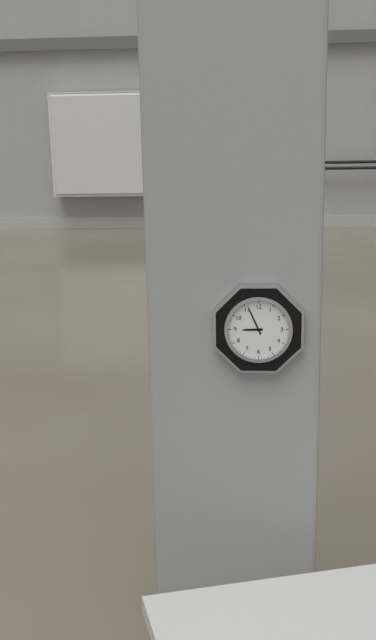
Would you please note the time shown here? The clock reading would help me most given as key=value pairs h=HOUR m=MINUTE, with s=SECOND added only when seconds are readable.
h=8 m=56
